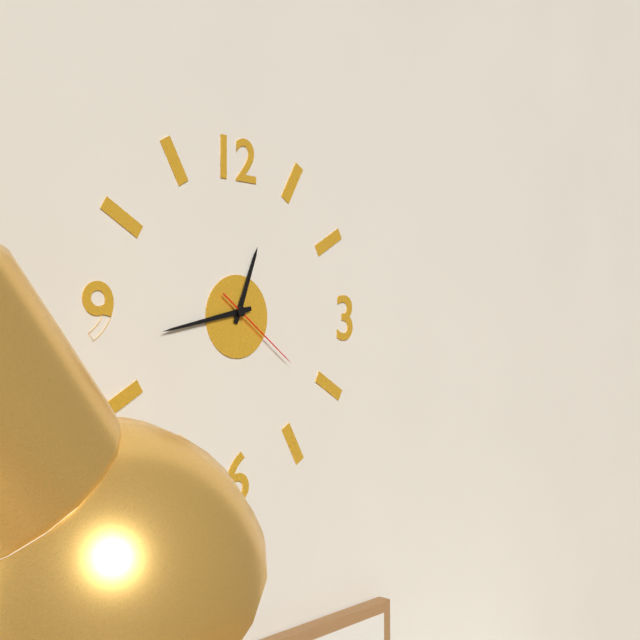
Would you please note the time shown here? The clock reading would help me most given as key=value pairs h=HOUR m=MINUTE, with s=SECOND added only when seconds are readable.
h=12 m=43 s=21
